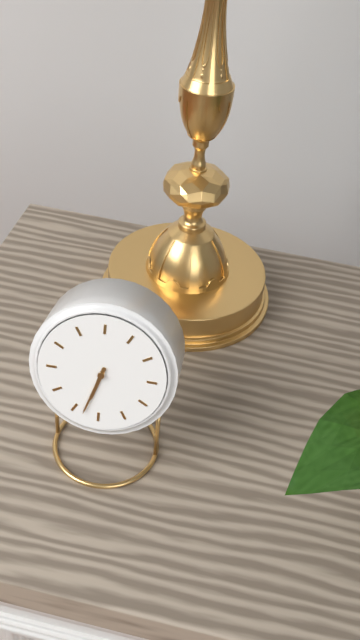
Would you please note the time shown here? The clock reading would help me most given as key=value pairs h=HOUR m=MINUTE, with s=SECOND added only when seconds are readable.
h=6 m=33
